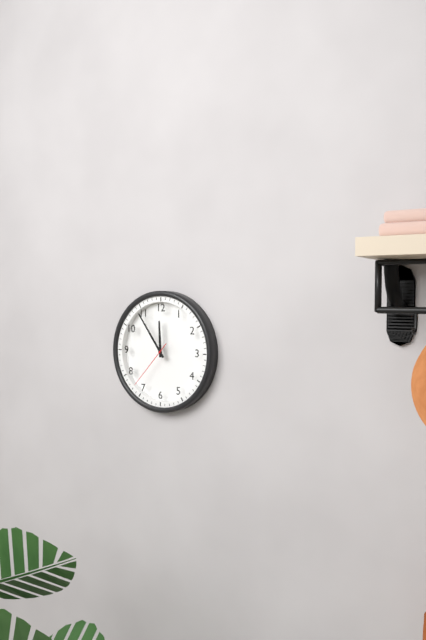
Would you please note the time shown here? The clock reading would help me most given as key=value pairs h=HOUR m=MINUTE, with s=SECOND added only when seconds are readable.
h=11 m=54 s=37
